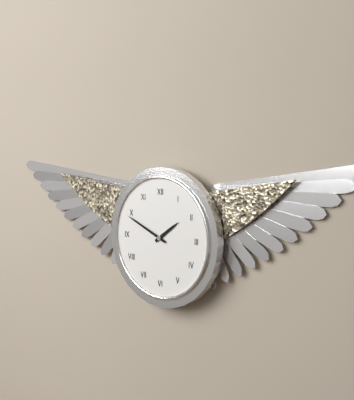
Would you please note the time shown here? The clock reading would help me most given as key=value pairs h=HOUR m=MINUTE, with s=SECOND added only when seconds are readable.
h=1 m=49
